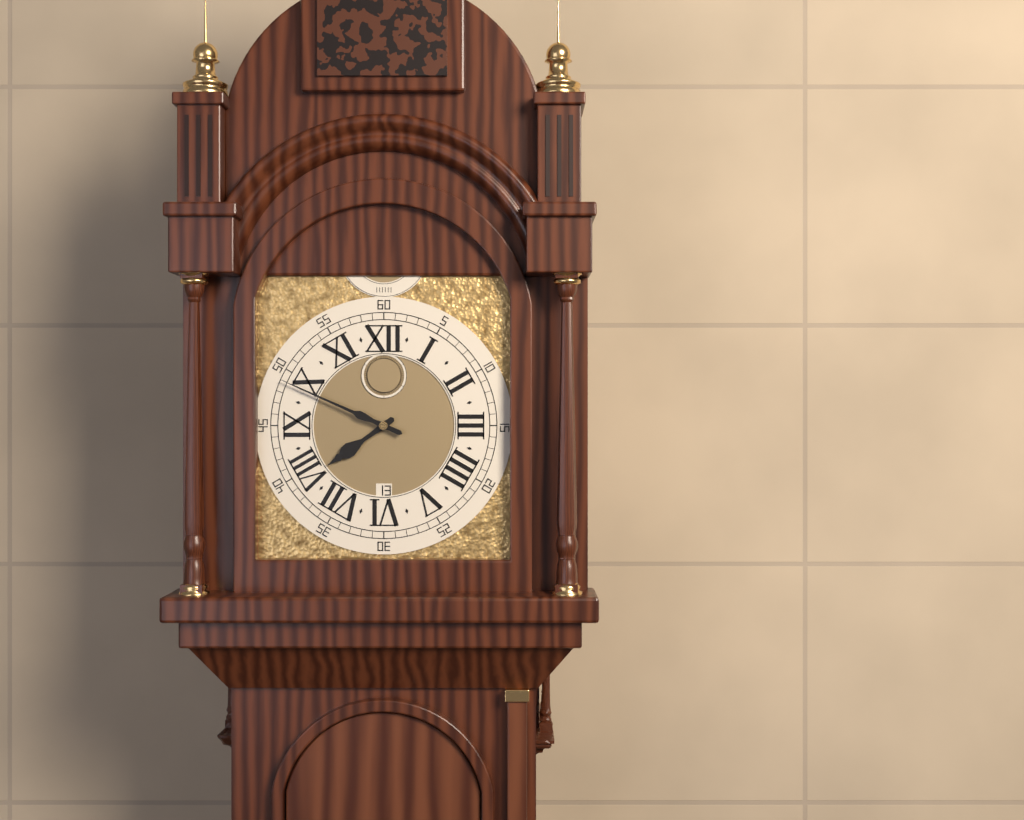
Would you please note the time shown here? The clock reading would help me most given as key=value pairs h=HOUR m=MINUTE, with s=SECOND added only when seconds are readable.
h=7 m=49
